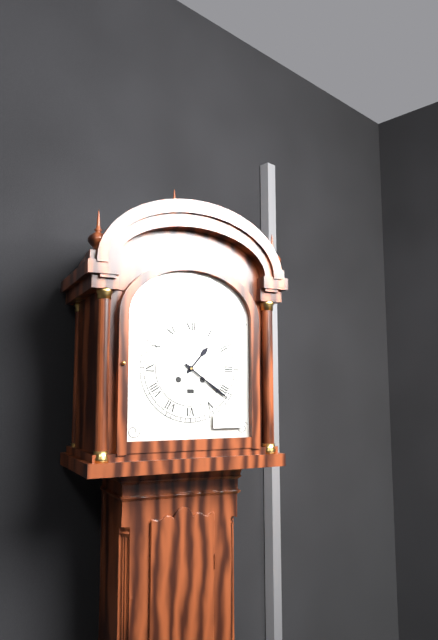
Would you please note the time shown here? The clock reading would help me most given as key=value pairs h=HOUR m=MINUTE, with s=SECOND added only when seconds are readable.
h=1 m=21
